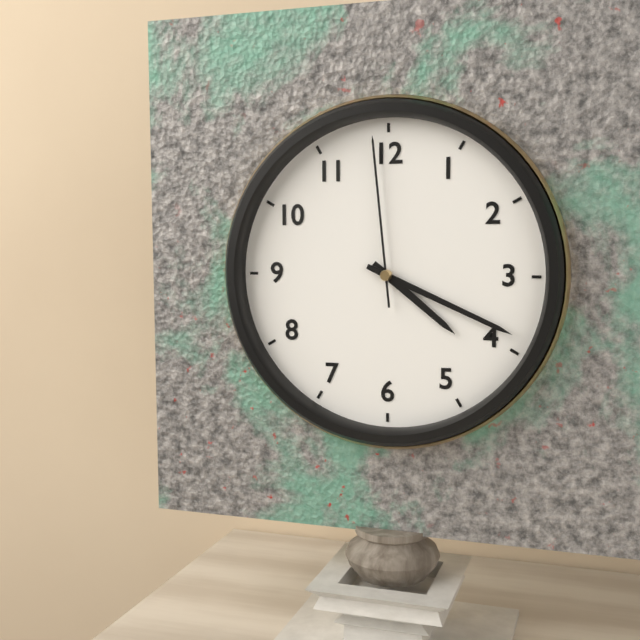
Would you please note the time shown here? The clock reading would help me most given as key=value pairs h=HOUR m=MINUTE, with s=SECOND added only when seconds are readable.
h=4 m=19 s=59
